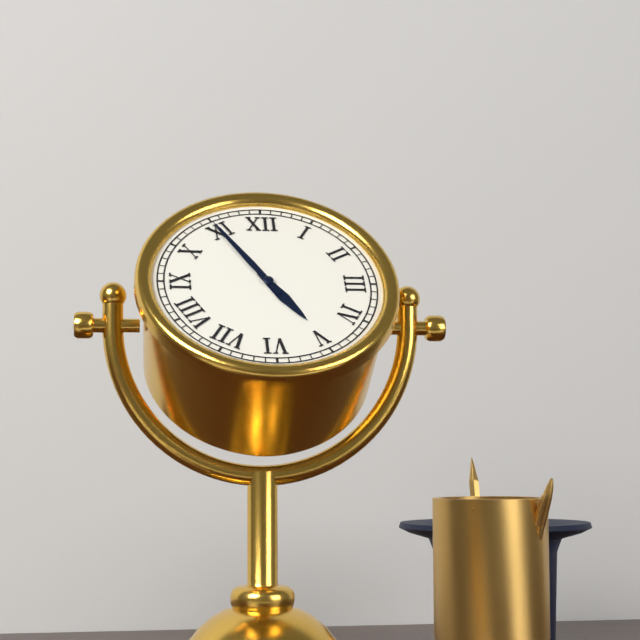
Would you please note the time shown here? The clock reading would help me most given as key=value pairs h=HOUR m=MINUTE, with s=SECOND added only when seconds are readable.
h=4 m=55
